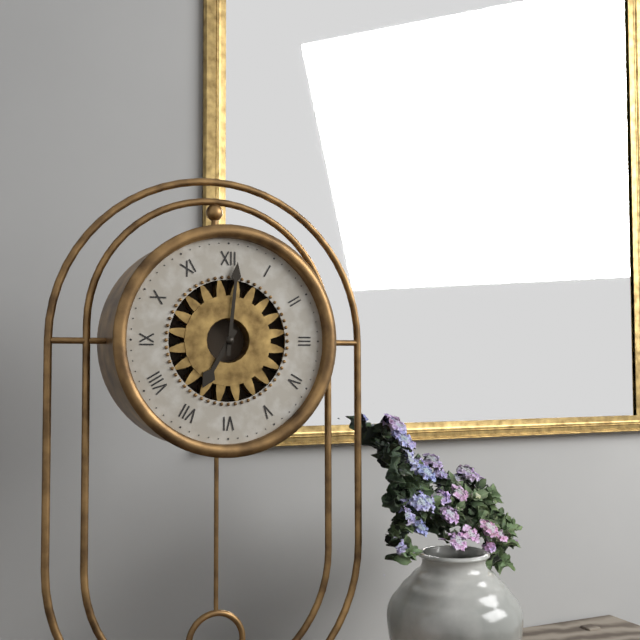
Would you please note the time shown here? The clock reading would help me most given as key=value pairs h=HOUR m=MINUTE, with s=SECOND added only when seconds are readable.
h=7 m=1
